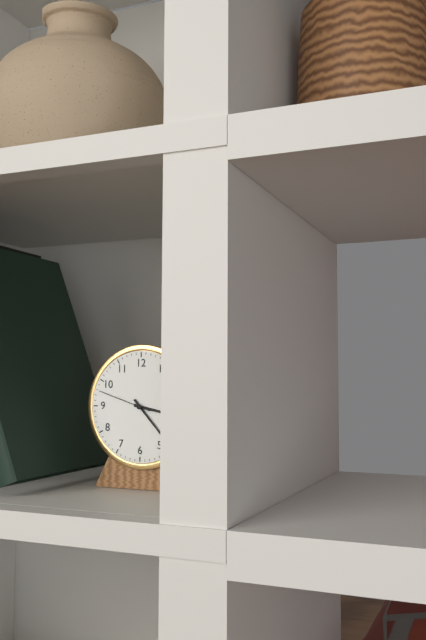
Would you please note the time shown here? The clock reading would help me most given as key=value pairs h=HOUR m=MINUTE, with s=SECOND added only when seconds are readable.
h=3 m=23 s=48
